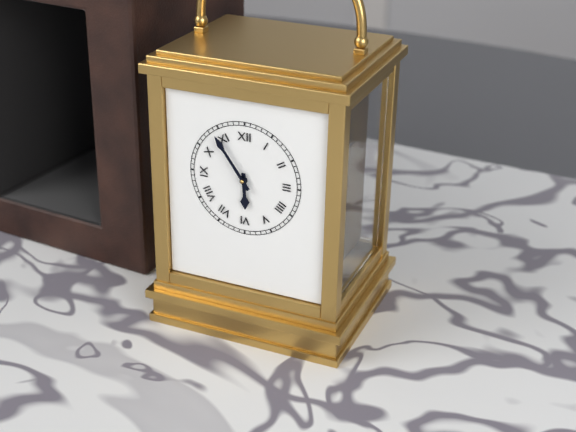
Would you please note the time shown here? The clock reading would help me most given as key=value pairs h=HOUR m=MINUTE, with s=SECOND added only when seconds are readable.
h=5 m=54
